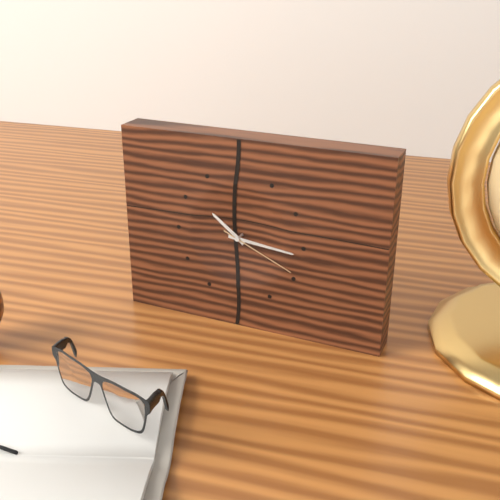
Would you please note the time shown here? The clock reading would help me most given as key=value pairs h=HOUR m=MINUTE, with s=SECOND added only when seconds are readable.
h=10 m=16 s=19
